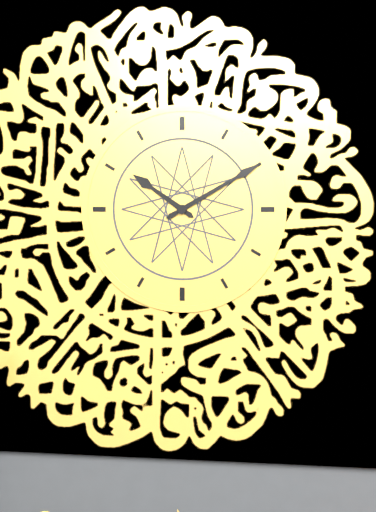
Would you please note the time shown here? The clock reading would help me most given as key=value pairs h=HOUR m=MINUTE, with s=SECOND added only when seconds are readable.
h=10 m=10
